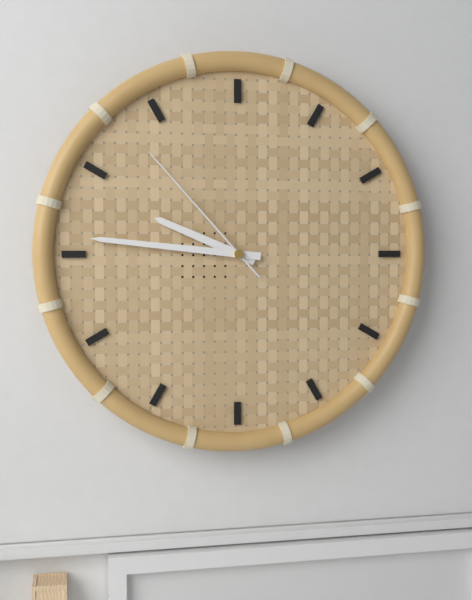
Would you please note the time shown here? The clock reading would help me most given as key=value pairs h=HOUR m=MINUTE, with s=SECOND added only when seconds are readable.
h=9 m=46 s=53
